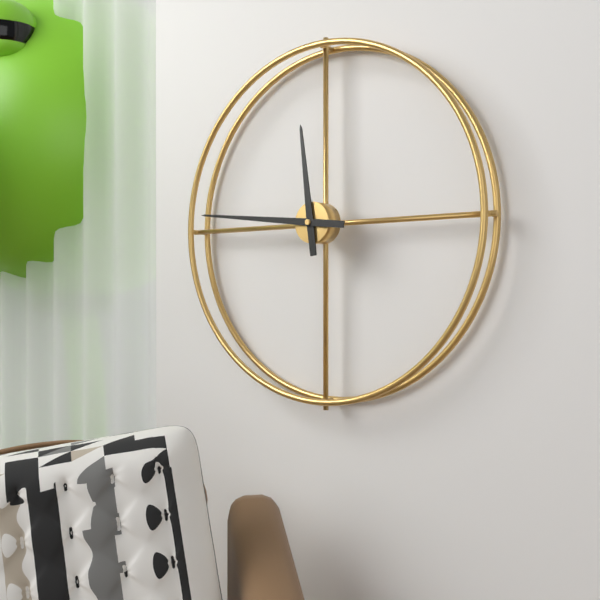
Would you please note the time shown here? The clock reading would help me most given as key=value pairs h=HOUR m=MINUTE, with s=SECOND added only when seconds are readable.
h=11 m=46
